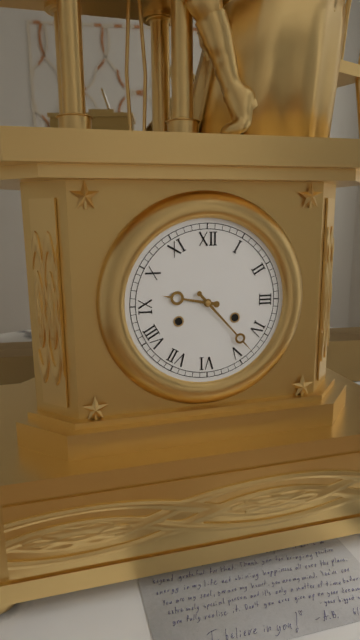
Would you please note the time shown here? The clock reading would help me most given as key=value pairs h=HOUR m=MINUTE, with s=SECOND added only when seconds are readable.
h=9 m=23
